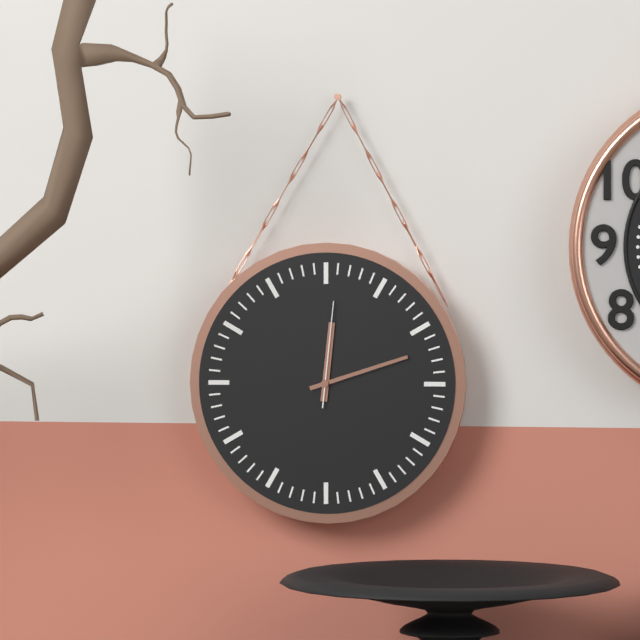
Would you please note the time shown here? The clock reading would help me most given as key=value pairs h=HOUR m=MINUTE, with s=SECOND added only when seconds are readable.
h=12 m=12 s=1
